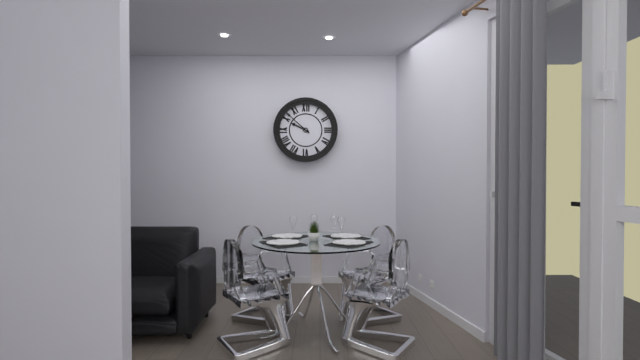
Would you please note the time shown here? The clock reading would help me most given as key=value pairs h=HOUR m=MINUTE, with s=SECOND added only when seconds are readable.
h=9 m=52
